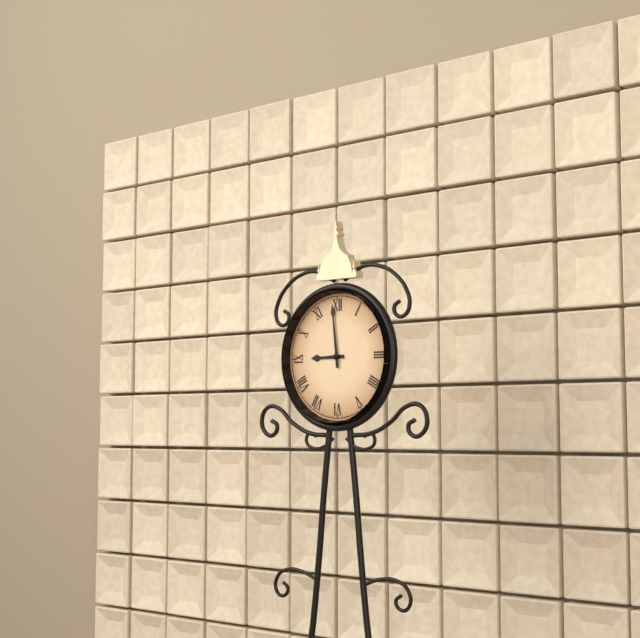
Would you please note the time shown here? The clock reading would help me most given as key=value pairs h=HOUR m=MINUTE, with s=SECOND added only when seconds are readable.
h=8 m=59
